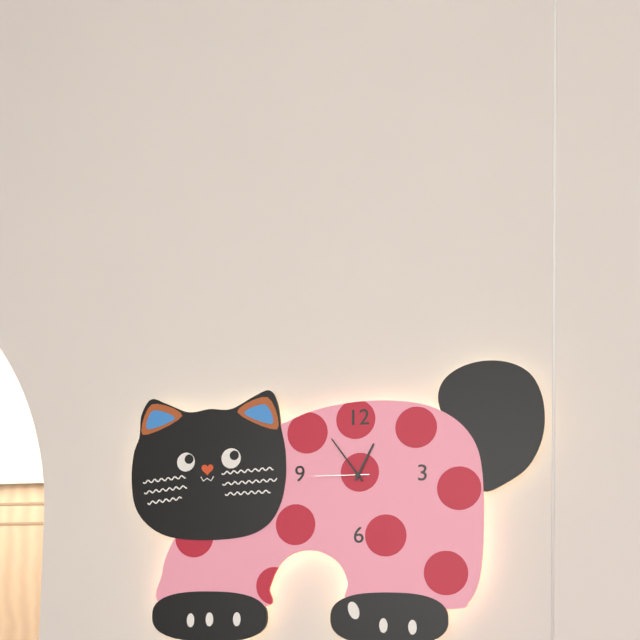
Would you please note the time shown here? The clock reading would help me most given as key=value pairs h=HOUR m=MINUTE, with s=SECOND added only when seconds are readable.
h=12 m=54 s=45
